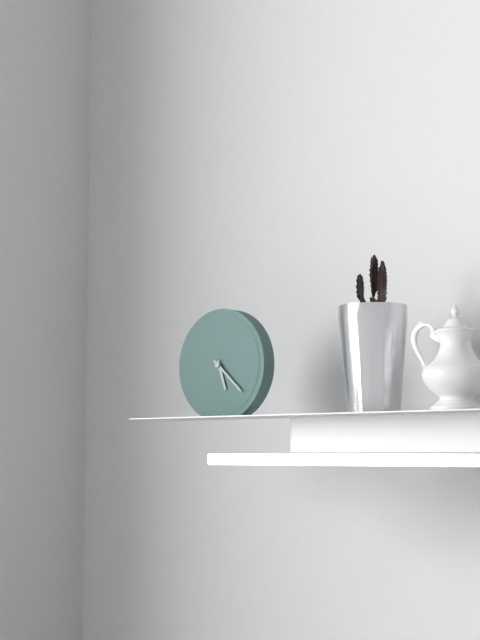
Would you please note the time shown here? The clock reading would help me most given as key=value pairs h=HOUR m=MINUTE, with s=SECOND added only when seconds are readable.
h=5 m=22
